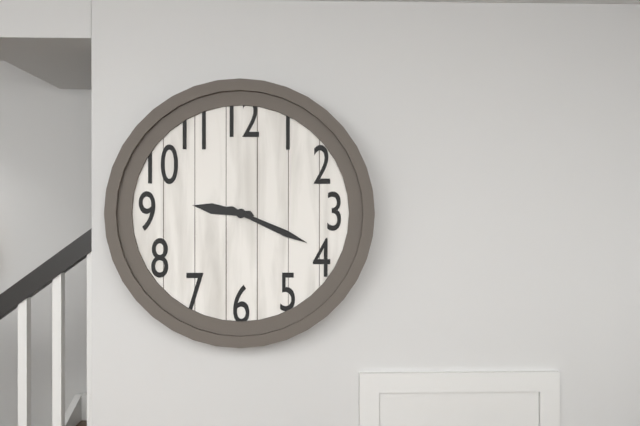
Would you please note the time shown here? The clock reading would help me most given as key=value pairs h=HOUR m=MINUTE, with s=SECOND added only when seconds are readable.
h=9 m=19
